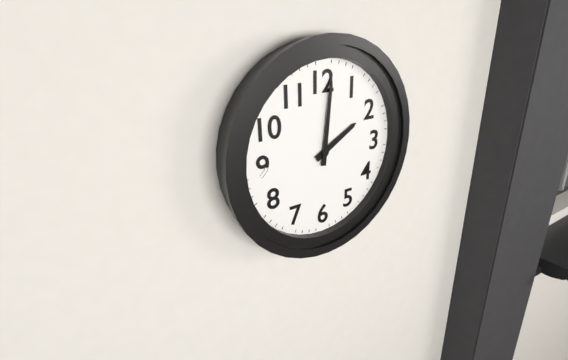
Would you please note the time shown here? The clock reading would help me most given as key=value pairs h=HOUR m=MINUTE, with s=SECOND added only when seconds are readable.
h=2 m=1
